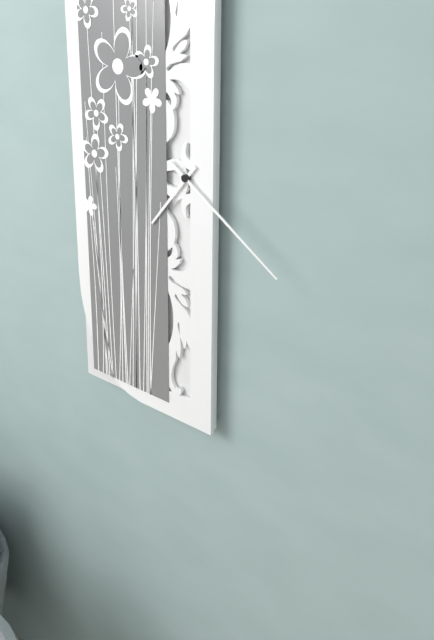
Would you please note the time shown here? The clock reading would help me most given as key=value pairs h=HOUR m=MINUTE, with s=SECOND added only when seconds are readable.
h=7 m=21
